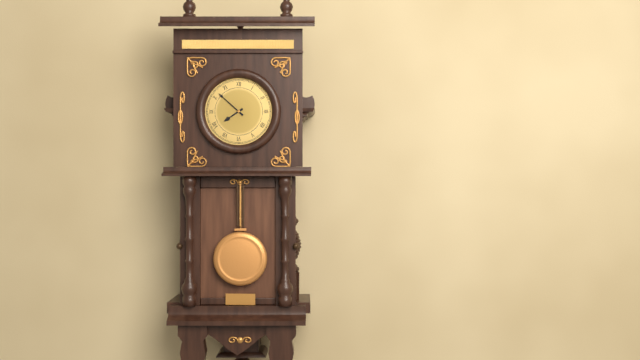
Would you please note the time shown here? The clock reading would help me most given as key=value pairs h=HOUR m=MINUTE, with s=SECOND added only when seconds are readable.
h=7 m=52
